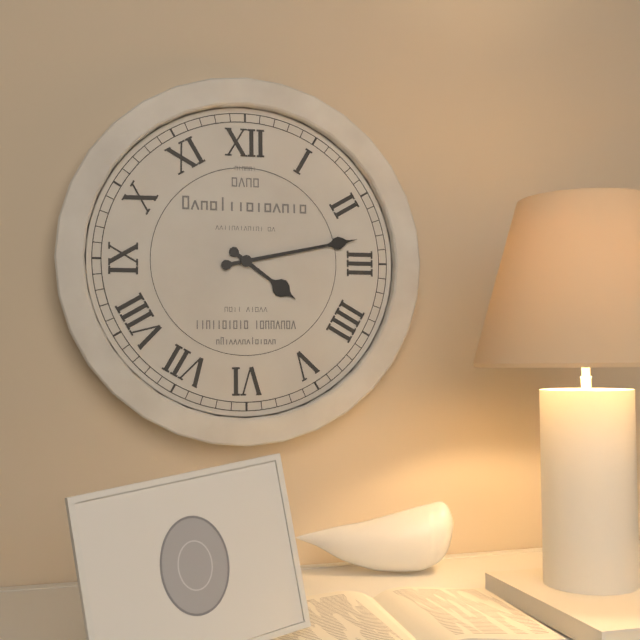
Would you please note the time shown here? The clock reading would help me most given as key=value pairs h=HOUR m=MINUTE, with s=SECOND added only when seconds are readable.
h=4 m=13
